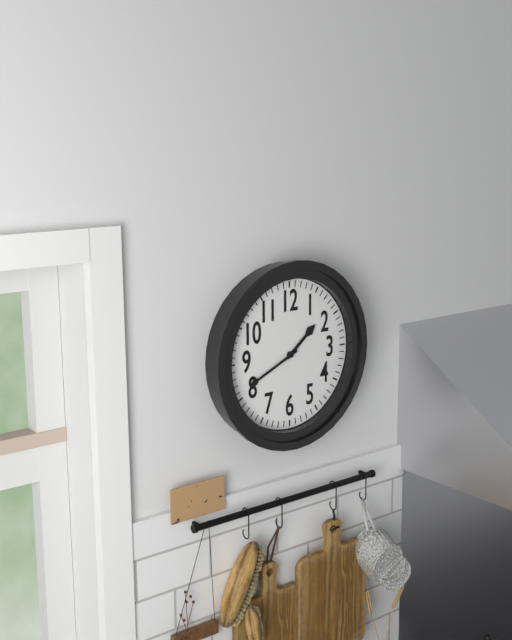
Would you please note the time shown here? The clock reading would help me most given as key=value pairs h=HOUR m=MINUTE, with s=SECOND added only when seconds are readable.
h=1 m=41
